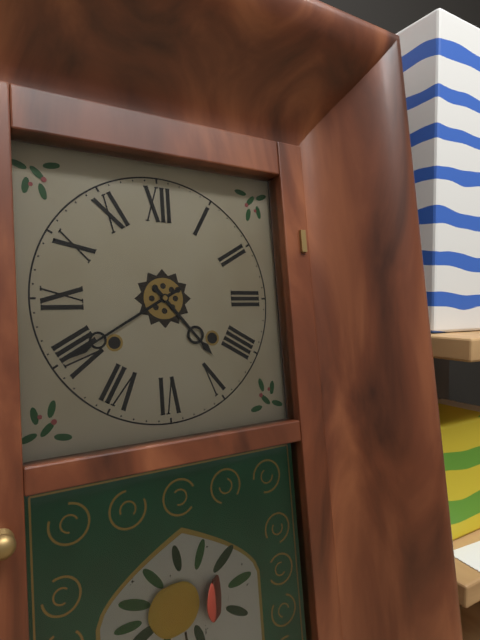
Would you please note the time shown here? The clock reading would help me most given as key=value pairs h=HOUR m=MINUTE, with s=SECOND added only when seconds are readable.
h=4 m=40
